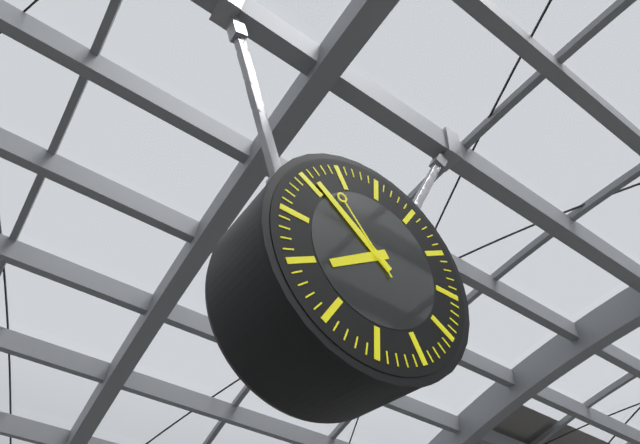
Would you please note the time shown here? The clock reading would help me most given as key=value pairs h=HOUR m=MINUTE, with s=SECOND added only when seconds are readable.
h=7 m=51 s=53
